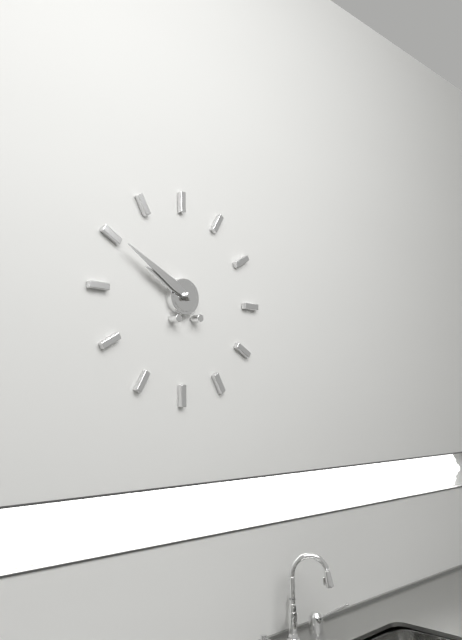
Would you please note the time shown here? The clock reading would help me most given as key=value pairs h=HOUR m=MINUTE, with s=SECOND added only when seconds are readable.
h=9 m=50
